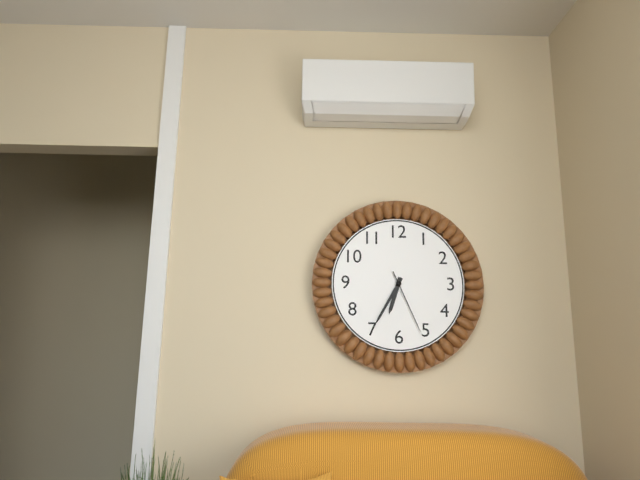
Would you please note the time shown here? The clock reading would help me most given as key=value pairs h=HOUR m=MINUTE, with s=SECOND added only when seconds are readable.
h=6 m=35 s=26
